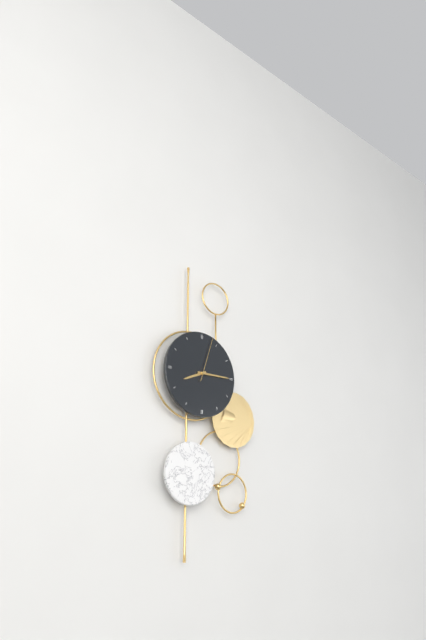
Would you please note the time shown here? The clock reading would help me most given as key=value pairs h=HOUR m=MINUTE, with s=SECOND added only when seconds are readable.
h=8 m=15
